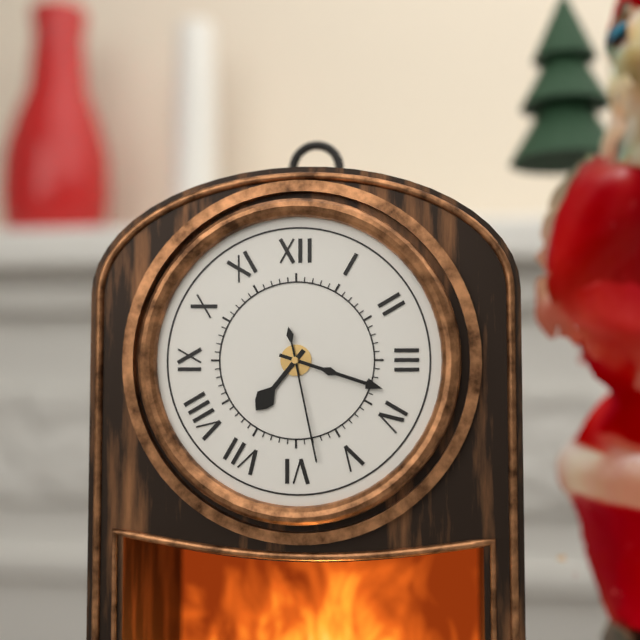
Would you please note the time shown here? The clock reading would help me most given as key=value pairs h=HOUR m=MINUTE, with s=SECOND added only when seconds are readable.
h=7 m=18 s=28
